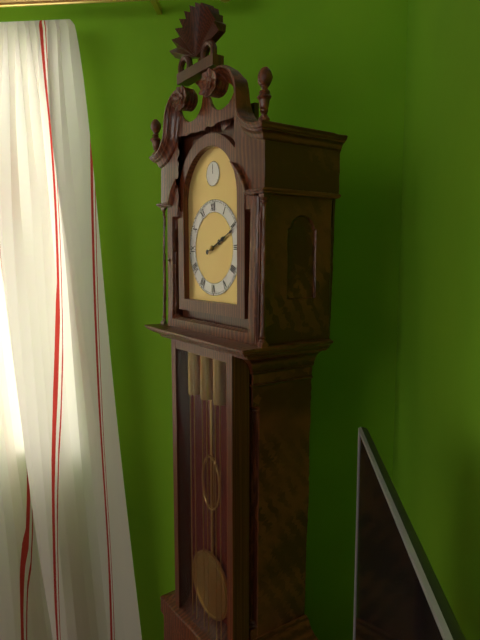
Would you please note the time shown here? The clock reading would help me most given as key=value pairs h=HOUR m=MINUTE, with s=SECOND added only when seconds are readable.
h=2 m=11
